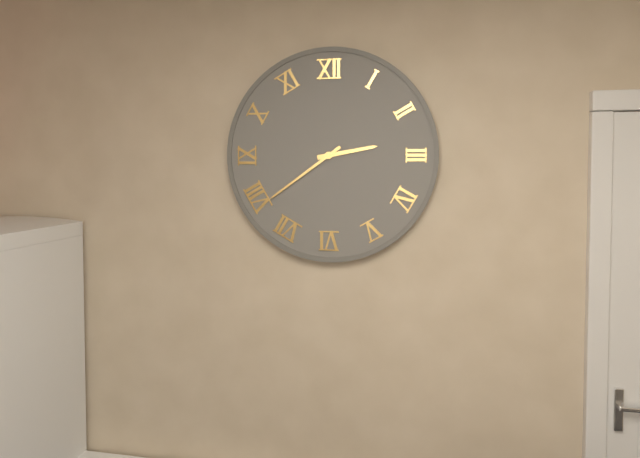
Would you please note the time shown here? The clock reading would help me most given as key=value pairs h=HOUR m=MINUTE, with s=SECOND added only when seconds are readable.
h=2 m=39
